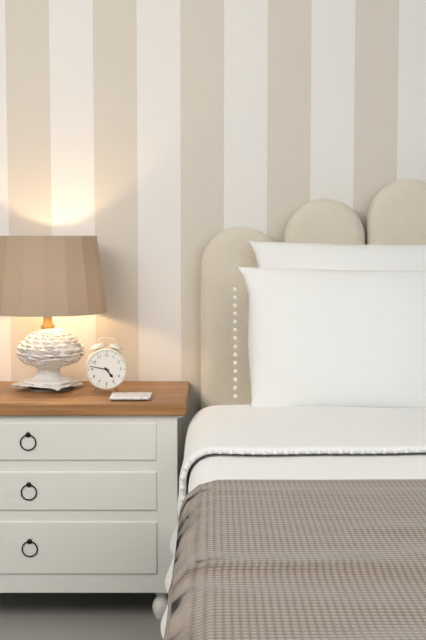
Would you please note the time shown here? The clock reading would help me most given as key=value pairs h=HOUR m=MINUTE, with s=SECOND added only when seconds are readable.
h=4 m=47
